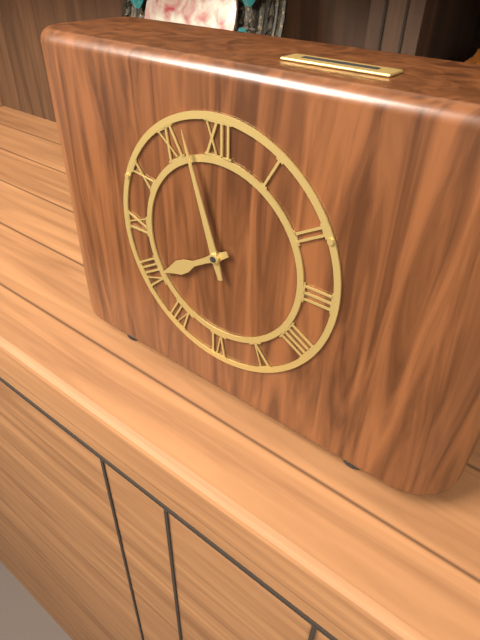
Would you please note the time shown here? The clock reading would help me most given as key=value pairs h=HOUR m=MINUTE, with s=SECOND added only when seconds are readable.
h=7 m=57
